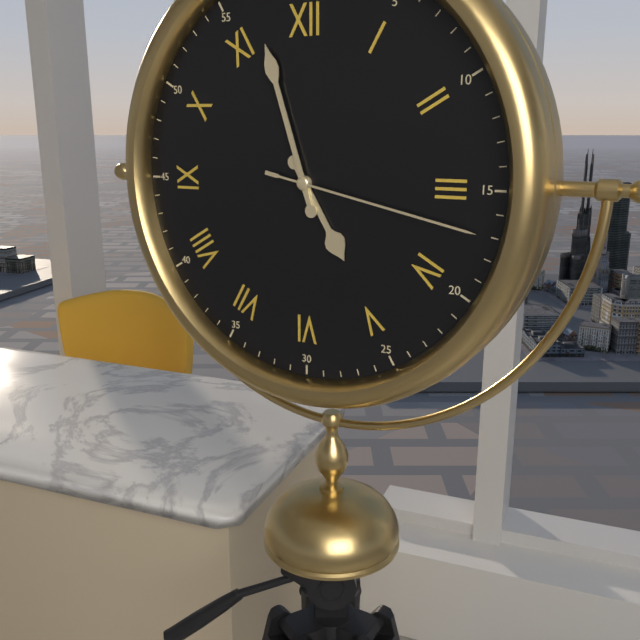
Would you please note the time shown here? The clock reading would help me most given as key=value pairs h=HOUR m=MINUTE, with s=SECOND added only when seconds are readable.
h=4 m=57 s=17
